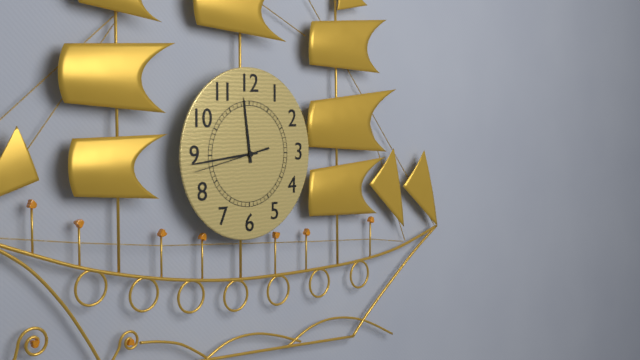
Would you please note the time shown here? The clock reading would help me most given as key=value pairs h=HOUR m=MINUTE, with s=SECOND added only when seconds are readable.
h=11 m=44 s=43
